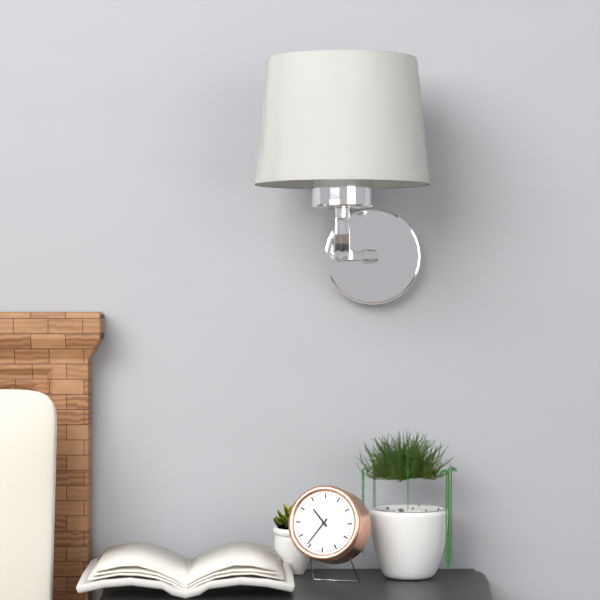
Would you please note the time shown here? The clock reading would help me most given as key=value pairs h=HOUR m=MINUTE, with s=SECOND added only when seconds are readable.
h=10 m=36
